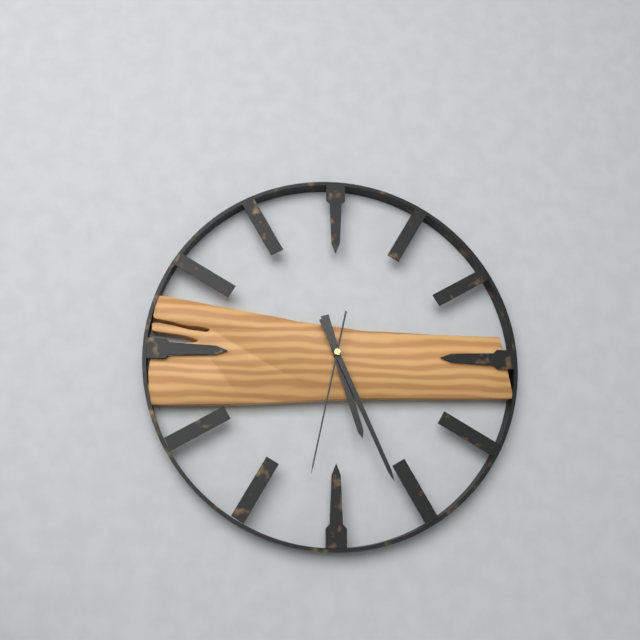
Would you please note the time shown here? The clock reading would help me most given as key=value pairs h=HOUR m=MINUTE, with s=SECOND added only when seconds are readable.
h=5 m=26 s=32
